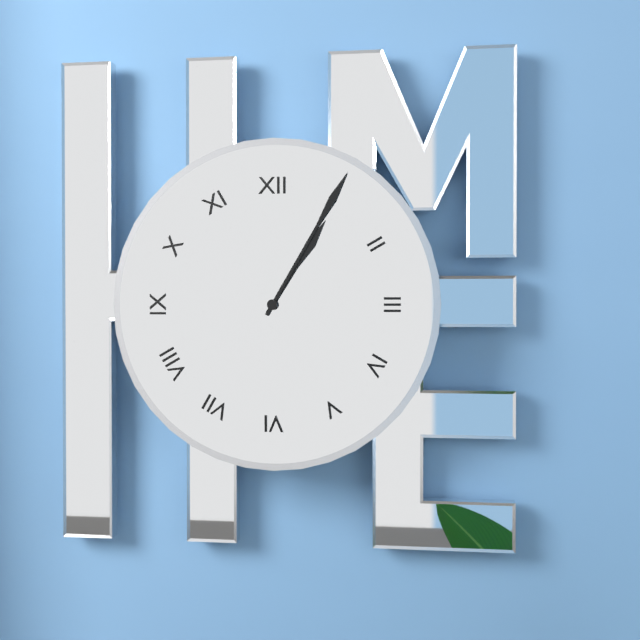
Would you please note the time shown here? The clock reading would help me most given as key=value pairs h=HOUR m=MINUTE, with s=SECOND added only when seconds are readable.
h=1 m=5
